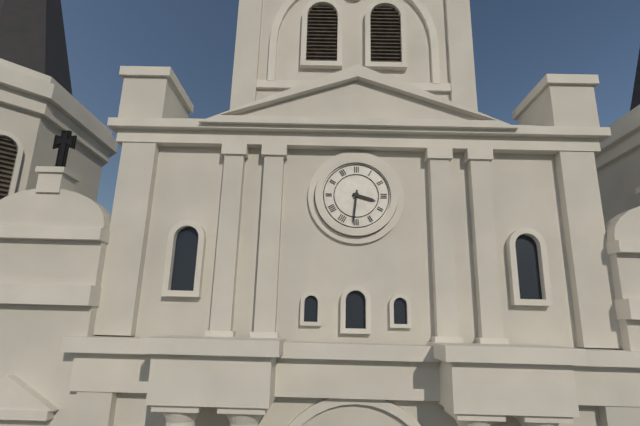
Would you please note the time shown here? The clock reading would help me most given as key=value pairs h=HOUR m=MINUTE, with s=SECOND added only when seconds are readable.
h=3 m=31
